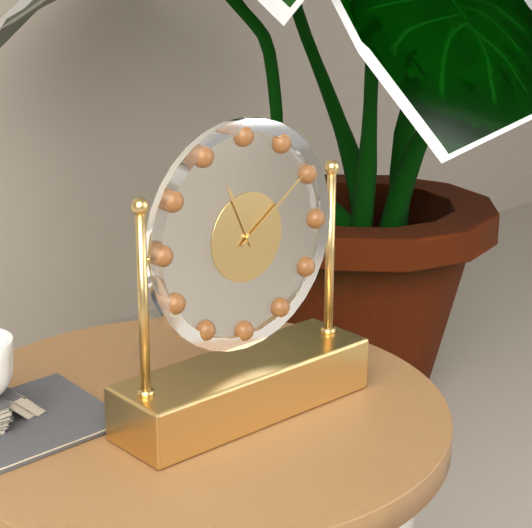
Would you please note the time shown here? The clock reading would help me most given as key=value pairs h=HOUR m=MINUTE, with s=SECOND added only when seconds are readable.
h=11 m=9
